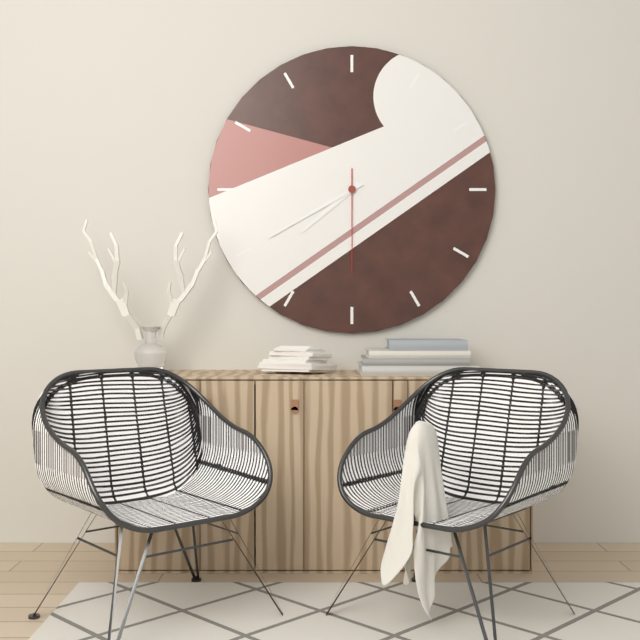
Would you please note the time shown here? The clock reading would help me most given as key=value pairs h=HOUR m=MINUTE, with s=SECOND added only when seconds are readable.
h=7 m=40 s=30
